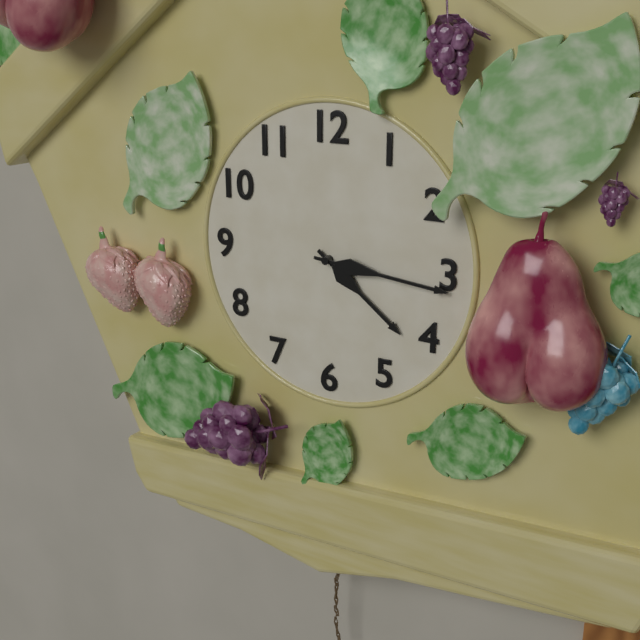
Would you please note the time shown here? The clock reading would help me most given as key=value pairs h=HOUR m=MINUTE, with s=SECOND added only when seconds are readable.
h=4 m=16
